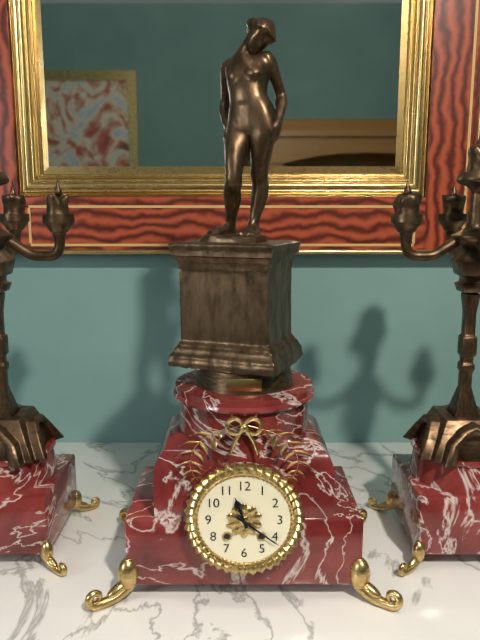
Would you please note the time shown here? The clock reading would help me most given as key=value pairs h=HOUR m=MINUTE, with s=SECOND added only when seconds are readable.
h=11 m=21
